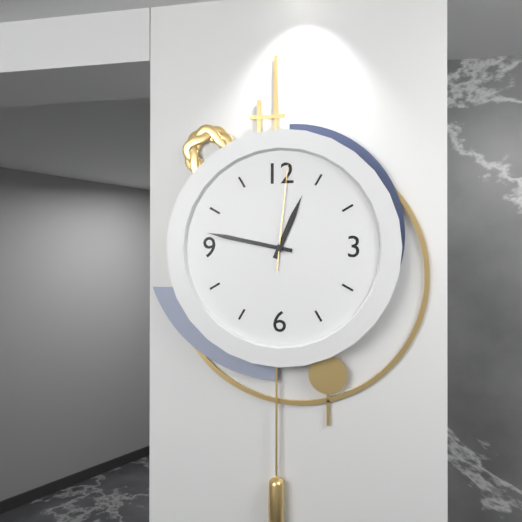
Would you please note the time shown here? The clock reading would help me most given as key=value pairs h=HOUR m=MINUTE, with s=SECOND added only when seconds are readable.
h=12 m=47 s=1
